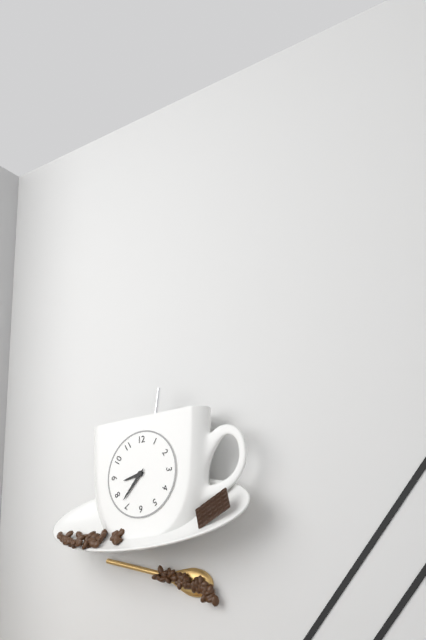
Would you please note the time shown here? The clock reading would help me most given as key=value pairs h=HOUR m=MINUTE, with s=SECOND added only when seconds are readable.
h=8 m=37
